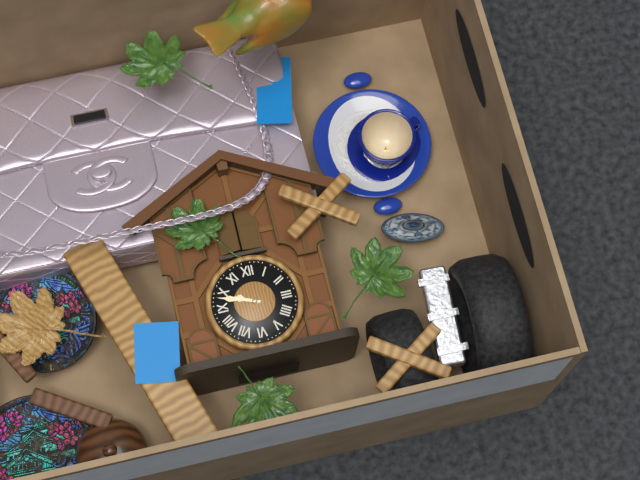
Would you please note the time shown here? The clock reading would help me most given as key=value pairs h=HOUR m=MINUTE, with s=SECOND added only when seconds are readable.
h=9 m=48
